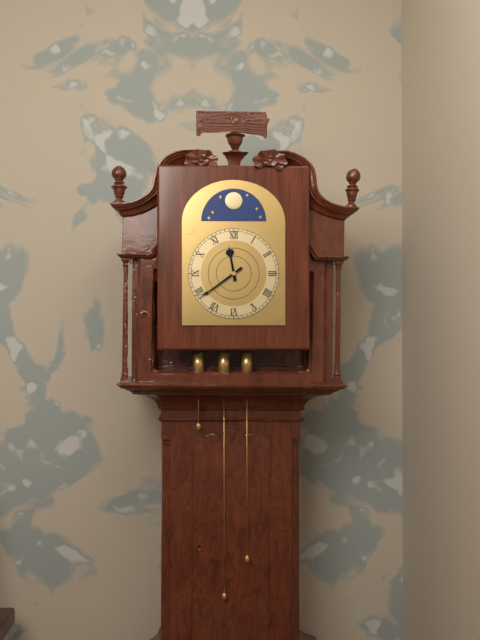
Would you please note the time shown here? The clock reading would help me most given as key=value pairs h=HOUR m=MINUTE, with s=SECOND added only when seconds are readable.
h=11 m=39
